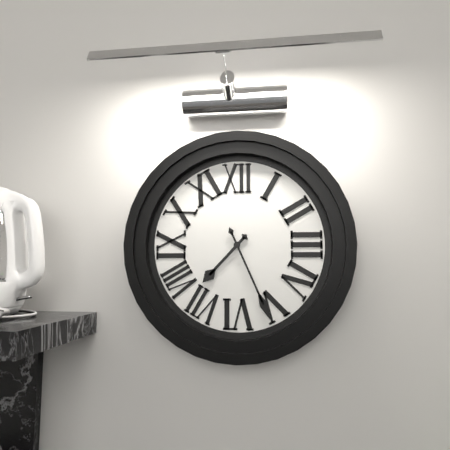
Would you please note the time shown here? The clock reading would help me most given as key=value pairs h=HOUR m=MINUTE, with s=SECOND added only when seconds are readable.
h=7 m=26
